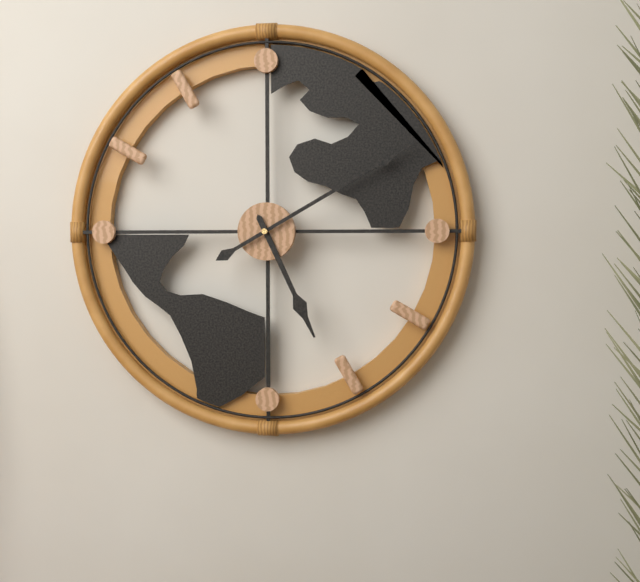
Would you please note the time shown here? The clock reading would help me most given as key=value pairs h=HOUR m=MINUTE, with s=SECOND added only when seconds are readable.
h=5 m=10
